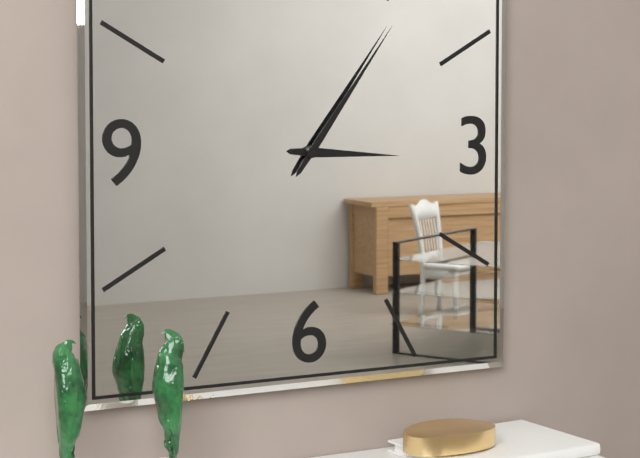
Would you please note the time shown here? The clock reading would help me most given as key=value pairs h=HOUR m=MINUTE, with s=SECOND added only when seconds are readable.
h=3 m=6
